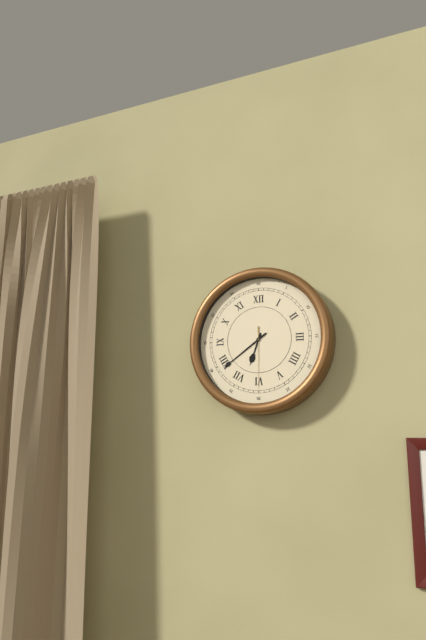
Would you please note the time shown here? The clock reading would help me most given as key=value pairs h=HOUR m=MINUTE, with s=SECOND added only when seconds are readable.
h=6 m=39 s=30
